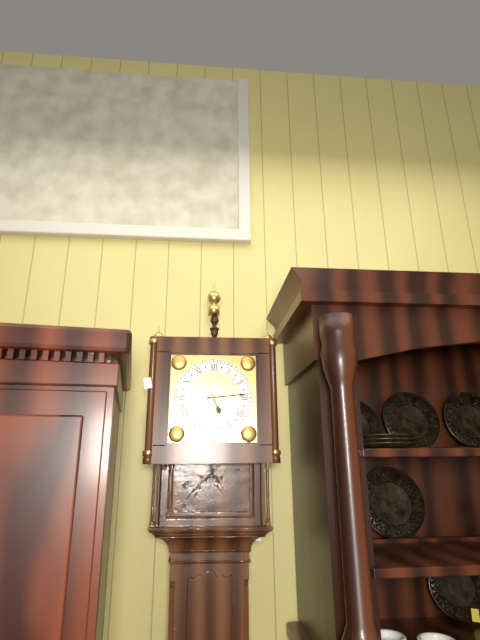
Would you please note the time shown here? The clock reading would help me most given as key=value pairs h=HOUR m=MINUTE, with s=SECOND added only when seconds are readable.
h=5 m=14
